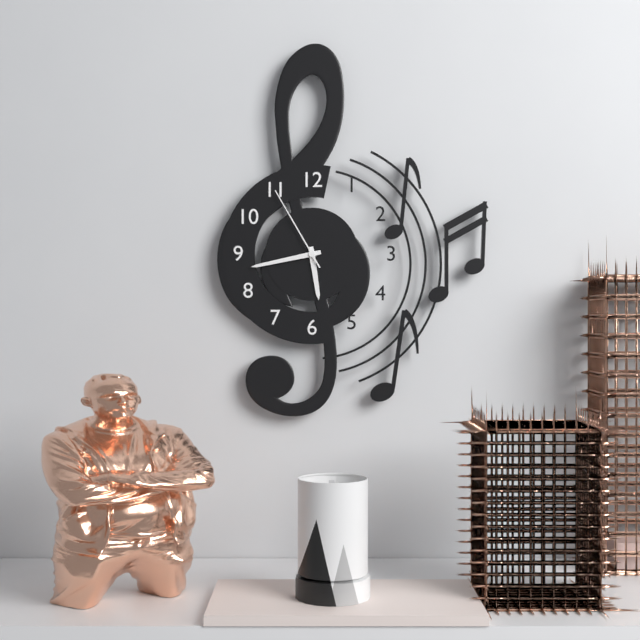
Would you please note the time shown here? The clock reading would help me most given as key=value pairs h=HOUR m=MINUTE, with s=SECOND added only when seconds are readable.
h=5 m=43 s=55
